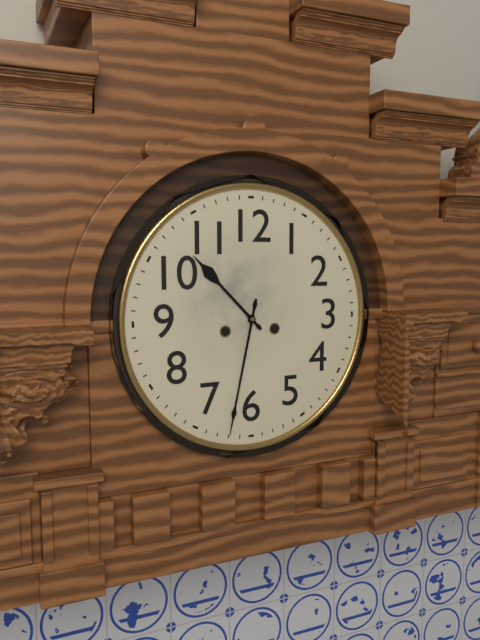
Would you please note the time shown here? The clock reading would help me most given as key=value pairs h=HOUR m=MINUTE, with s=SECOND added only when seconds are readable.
h=10 m=32
